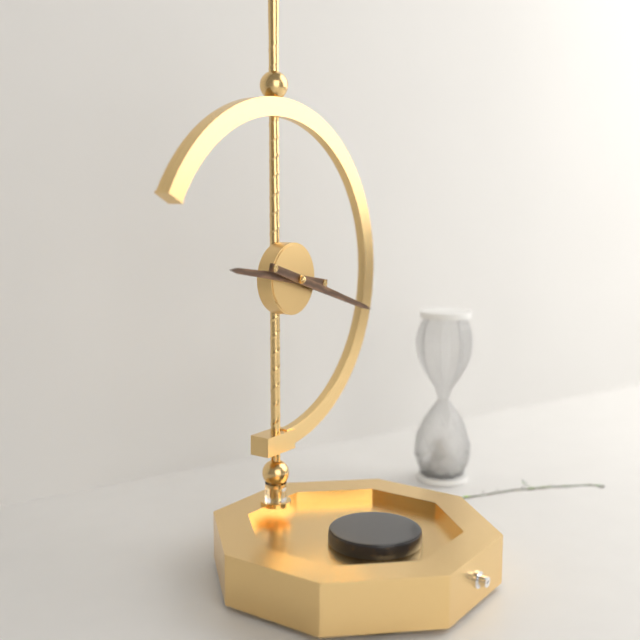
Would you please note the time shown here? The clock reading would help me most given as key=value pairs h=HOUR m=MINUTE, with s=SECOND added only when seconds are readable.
h=9 m=18
